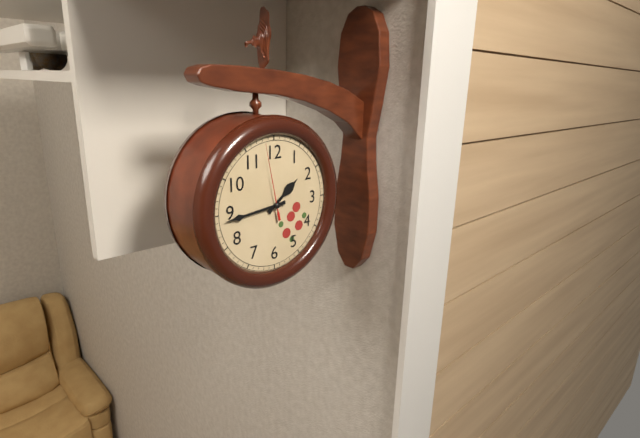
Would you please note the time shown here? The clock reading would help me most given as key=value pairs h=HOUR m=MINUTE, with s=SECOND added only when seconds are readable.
h=1 m=44 s=58
